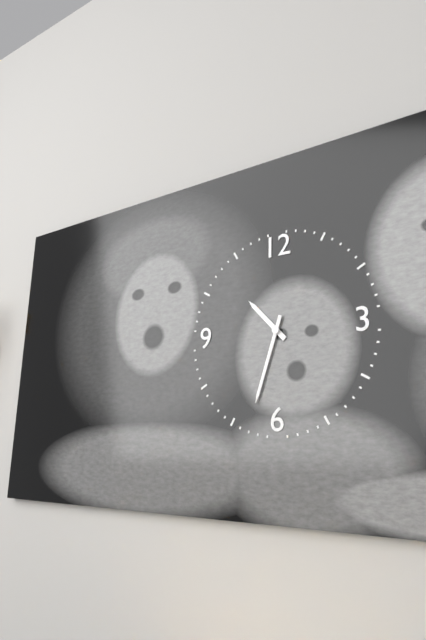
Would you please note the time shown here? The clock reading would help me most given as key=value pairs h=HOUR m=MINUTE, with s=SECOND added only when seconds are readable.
h=10 m=33
